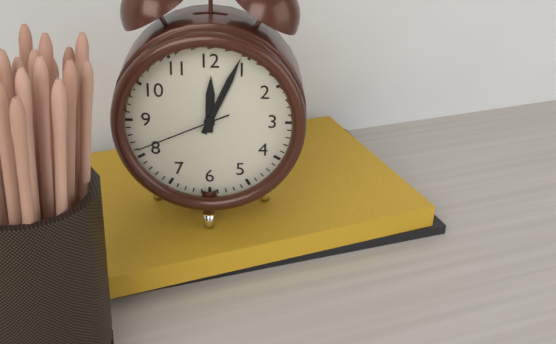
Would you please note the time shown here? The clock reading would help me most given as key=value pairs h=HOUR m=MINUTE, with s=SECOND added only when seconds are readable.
h=12 m=4 s=41
